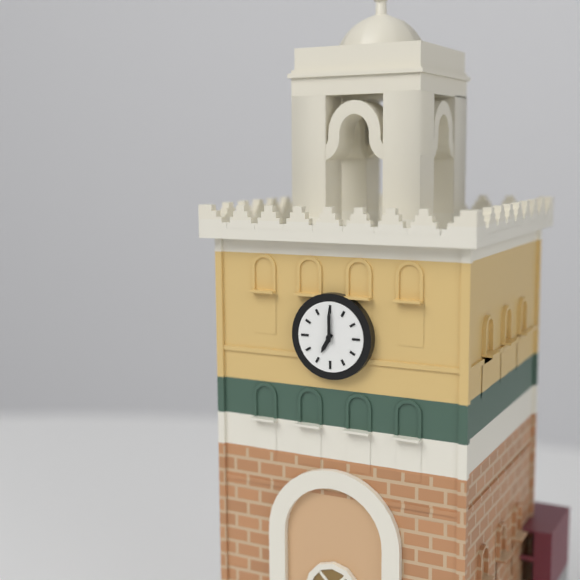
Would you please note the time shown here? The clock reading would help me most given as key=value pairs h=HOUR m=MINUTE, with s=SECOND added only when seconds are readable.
h=7 m=0
